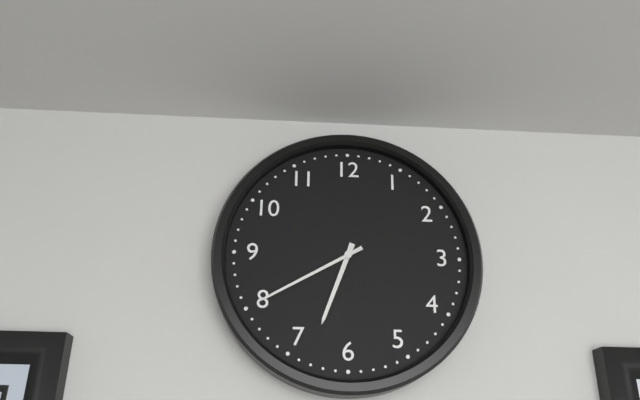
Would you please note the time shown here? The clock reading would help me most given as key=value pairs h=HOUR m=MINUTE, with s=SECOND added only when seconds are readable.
h=6 m=40
